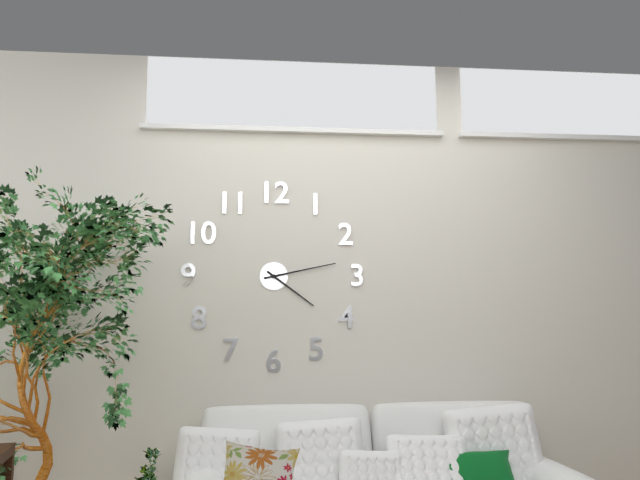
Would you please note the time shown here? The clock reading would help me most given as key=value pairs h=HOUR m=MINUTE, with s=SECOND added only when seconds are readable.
h=4 m=13
